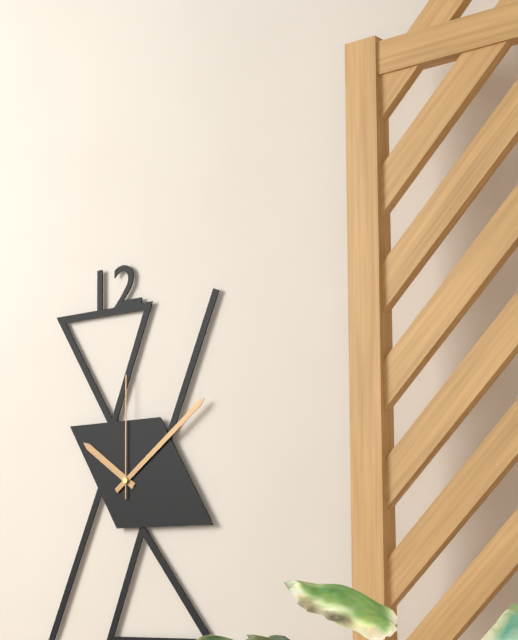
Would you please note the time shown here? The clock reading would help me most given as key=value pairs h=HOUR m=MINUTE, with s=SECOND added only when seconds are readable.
h=10 m=9 s=0
